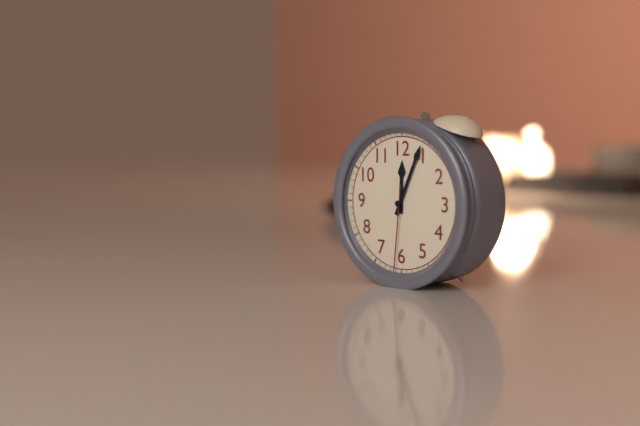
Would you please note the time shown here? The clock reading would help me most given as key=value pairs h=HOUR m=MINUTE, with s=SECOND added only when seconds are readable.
h=12 m=4 s=31
